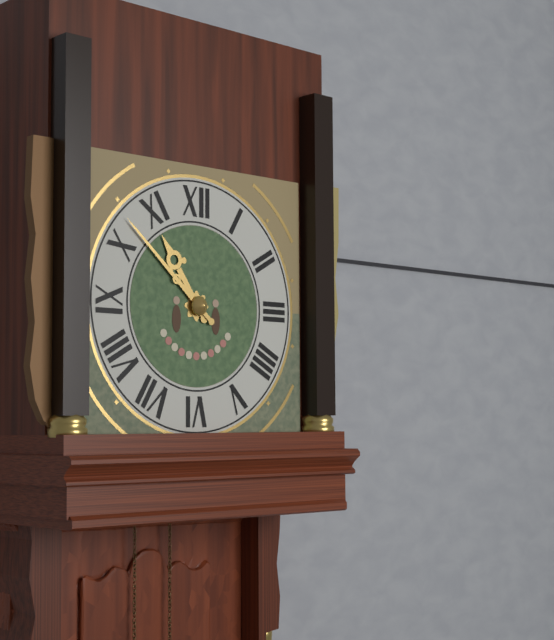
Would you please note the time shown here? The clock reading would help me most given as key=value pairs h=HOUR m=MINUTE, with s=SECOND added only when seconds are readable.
h=10 m=52
